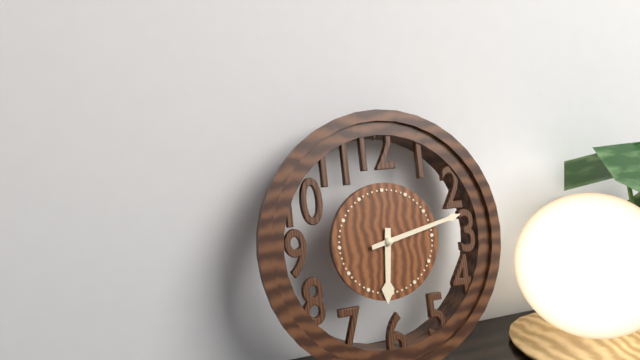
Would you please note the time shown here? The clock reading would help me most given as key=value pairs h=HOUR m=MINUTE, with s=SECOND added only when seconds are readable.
h=6 m=13
